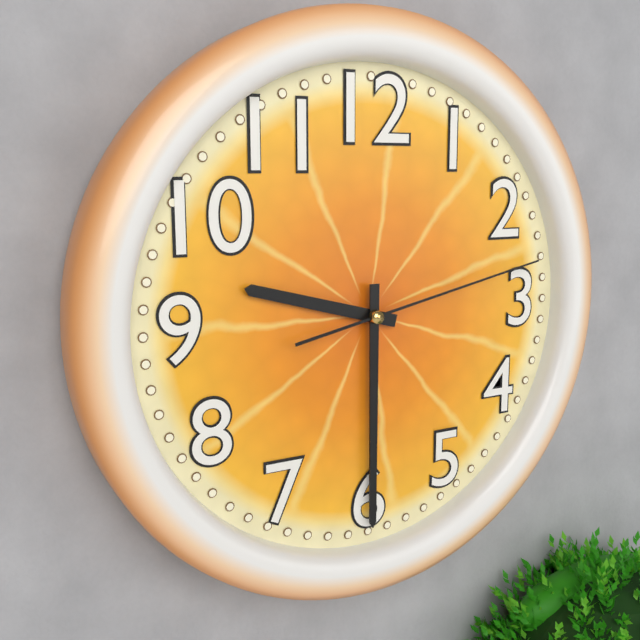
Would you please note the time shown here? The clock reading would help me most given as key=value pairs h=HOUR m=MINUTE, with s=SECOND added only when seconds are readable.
h=9 m=30 s=13
